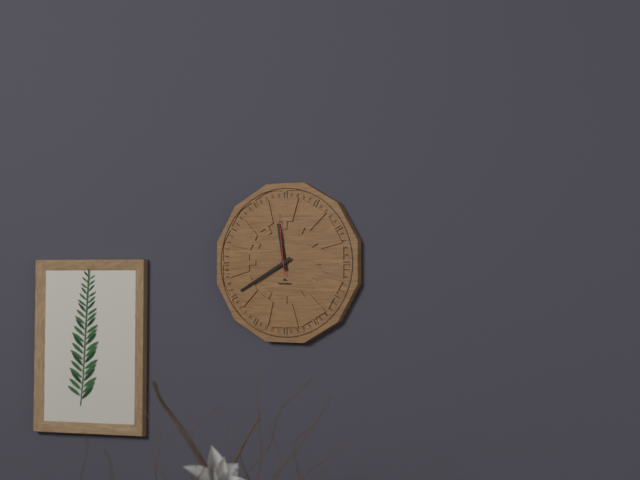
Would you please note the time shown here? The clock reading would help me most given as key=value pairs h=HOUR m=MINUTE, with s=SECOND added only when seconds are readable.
h=11 m=40 s=59
